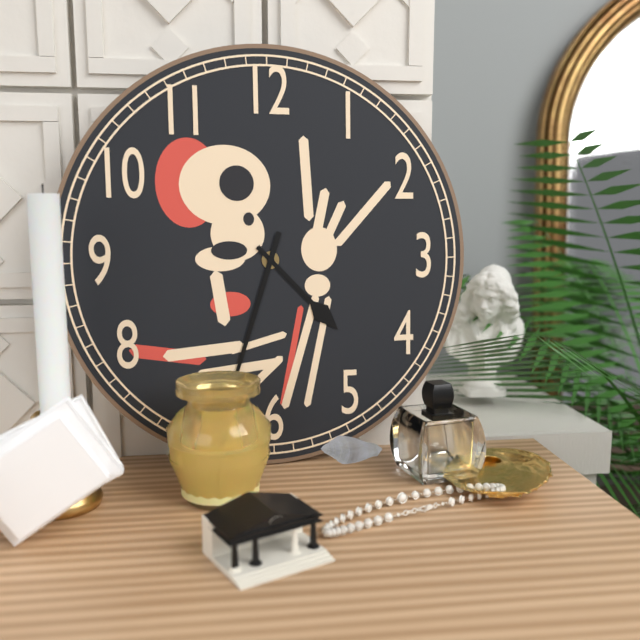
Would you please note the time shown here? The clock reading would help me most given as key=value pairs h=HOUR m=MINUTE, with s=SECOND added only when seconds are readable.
h=4 m=33
